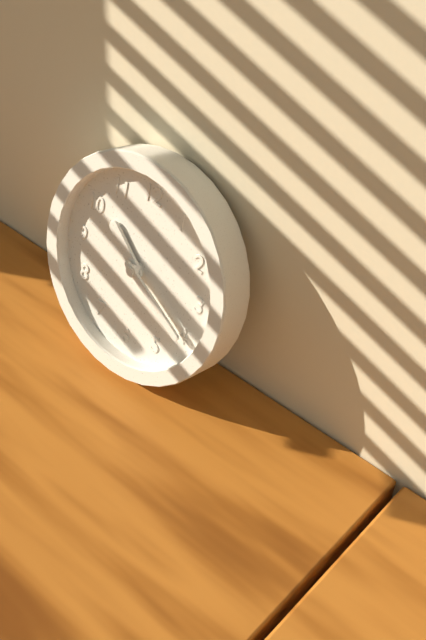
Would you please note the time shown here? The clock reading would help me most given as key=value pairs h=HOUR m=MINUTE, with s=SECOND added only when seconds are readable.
h=10 m=20
